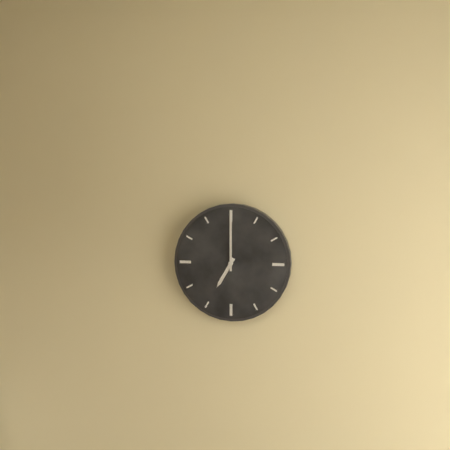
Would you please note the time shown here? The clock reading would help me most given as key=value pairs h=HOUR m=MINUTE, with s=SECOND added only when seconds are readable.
h=7 m=0
